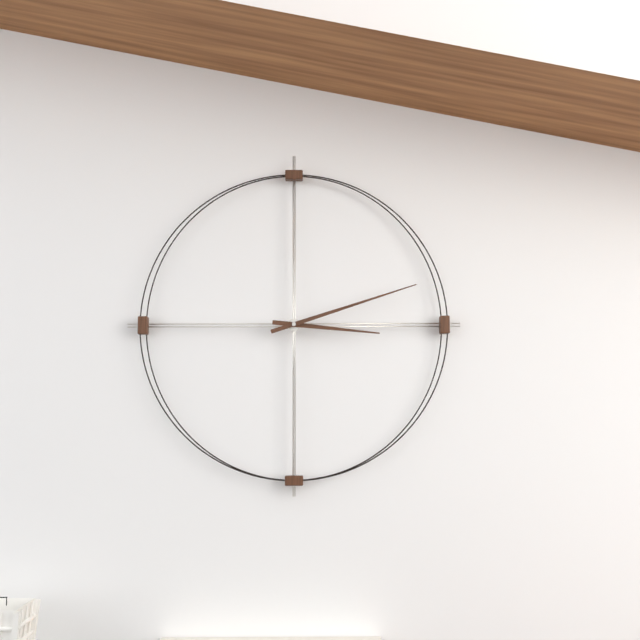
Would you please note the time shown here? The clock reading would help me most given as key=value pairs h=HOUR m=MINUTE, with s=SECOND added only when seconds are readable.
h=3 m=12
